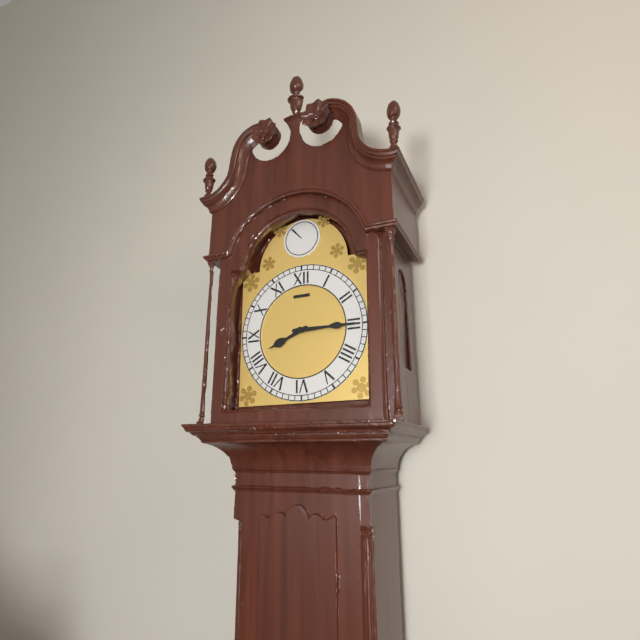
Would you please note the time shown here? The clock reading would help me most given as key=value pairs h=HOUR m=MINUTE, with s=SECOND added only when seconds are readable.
h=8 m=15
